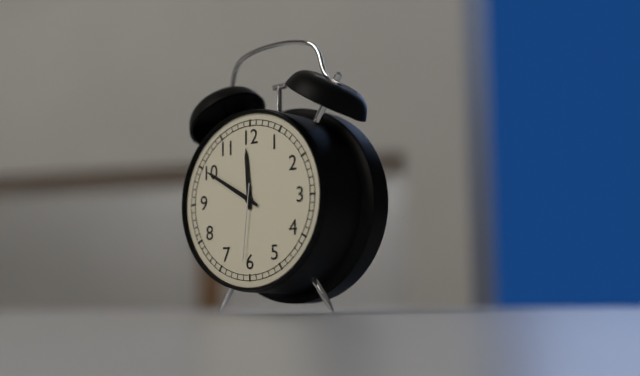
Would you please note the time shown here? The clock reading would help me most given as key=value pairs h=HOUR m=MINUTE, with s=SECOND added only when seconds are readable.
h=11 m=50 s=31
